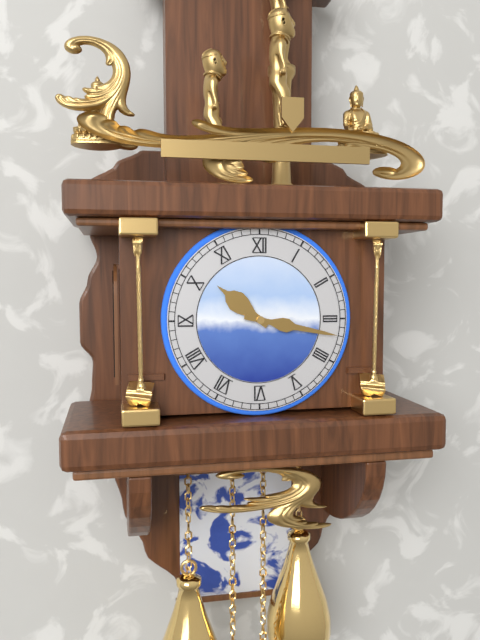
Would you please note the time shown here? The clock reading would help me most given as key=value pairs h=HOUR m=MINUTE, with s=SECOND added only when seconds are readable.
h=10 m=17
